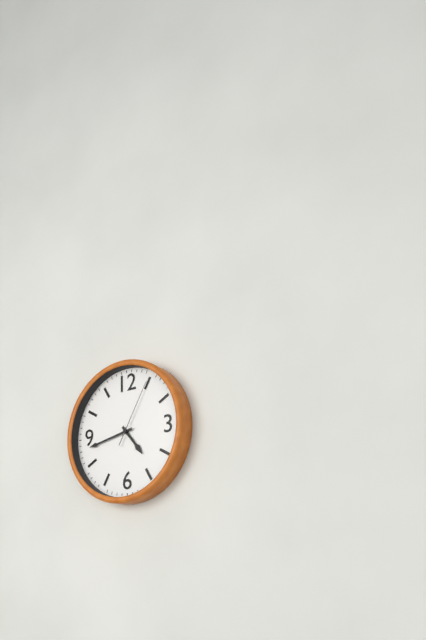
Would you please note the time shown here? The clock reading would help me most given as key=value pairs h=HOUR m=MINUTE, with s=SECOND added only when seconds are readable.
h=4 m=43 s=5
